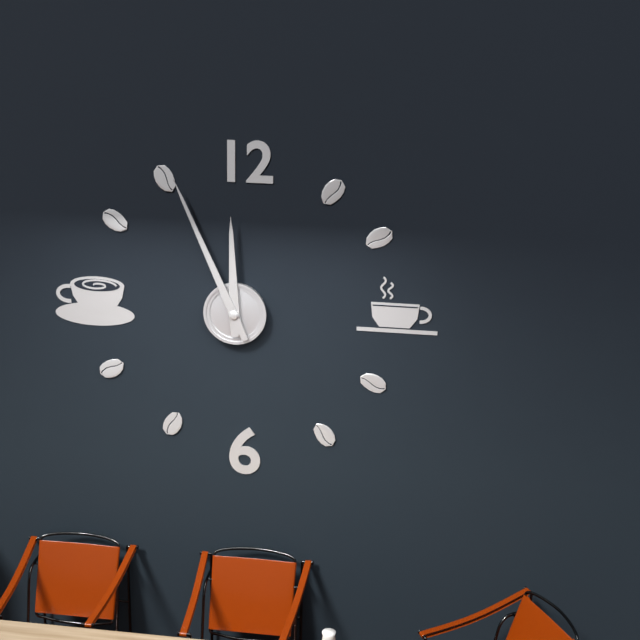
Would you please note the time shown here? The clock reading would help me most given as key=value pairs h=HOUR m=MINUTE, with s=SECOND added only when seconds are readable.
h=11 m=56
